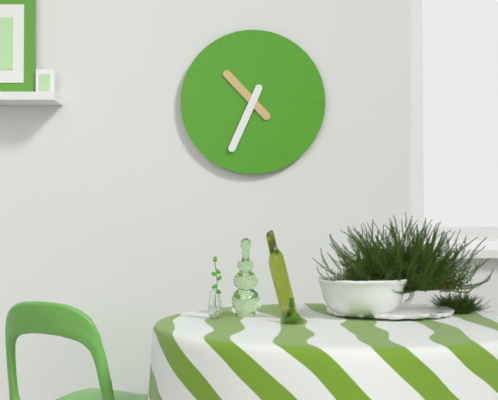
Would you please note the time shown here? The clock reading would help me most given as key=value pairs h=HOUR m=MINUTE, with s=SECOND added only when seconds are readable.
h=10 m=34
